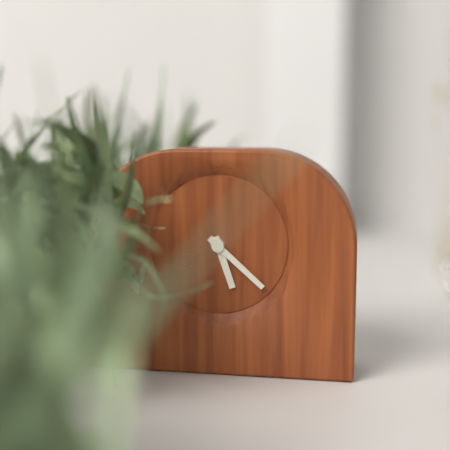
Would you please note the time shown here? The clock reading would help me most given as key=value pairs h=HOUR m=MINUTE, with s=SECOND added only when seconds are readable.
h=5 m=22
